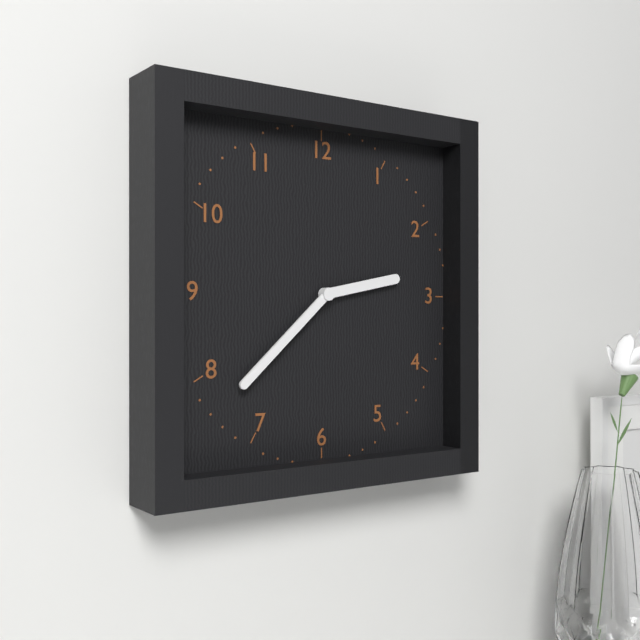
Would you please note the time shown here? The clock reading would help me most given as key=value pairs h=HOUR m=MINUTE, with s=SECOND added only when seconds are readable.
h=2 m=38
